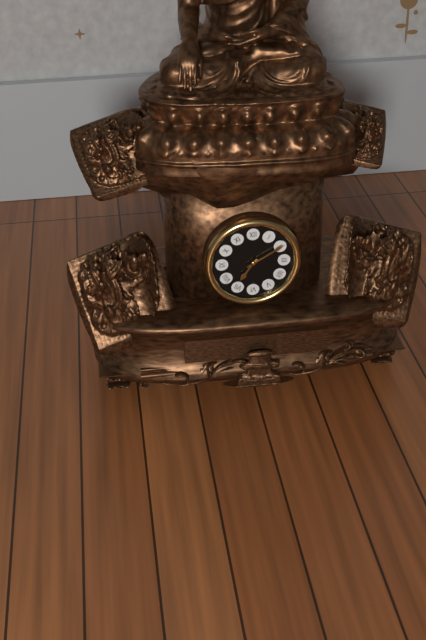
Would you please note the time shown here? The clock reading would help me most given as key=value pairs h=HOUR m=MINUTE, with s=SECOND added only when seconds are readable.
h=7 m=10
